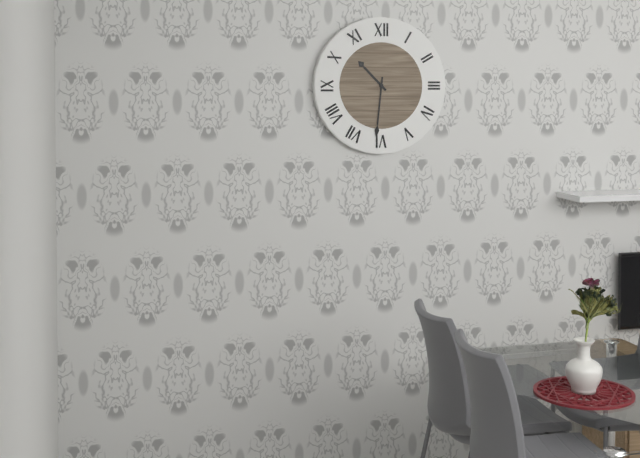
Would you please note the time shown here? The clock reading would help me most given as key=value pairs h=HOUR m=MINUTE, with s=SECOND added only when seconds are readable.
h=10 m=31
